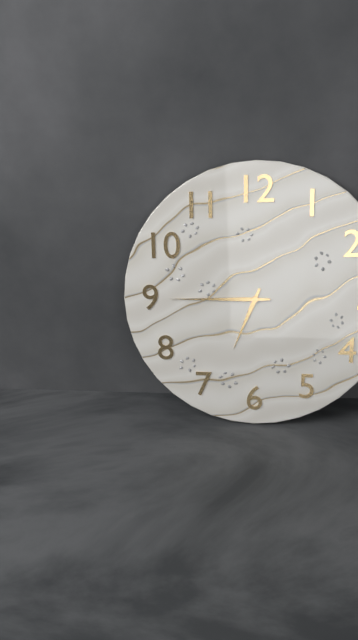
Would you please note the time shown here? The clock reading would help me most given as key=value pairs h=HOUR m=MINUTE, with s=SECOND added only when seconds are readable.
h=6 m=45
